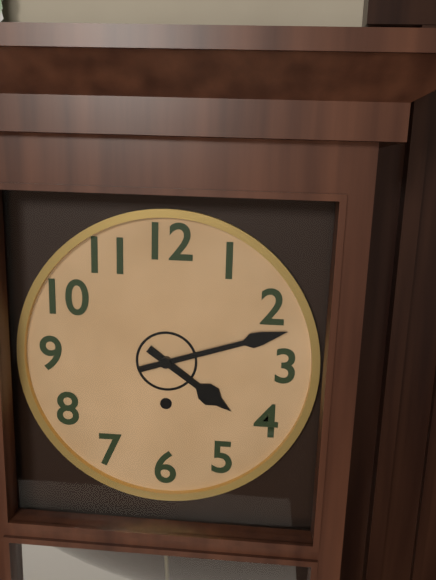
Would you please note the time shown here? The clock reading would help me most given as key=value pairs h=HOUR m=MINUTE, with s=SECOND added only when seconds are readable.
h=4 m=12
